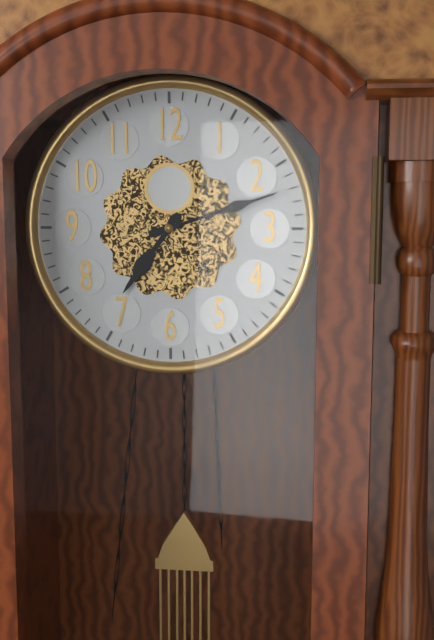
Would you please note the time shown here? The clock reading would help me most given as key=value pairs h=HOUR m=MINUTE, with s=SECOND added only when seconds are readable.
h=7 m=12
